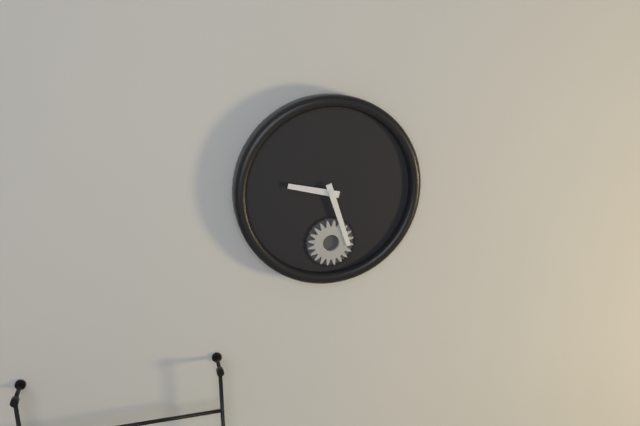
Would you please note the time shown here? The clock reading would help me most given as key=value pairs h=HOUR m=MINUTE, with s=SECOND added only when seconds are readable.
h=9 m=27
